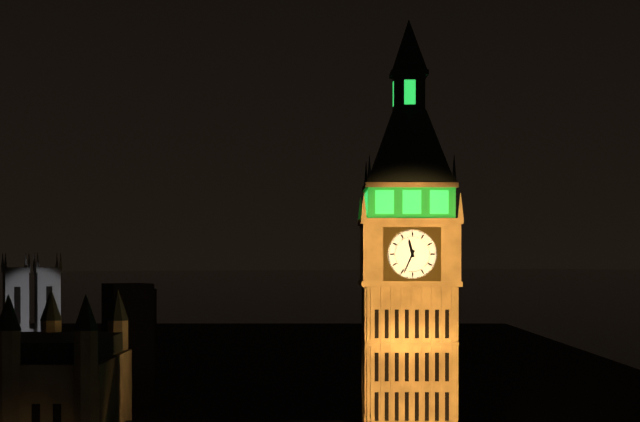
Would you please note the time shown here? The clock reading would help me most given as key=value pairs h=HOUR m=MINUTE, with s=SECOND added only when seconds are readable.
h=11 m=34
